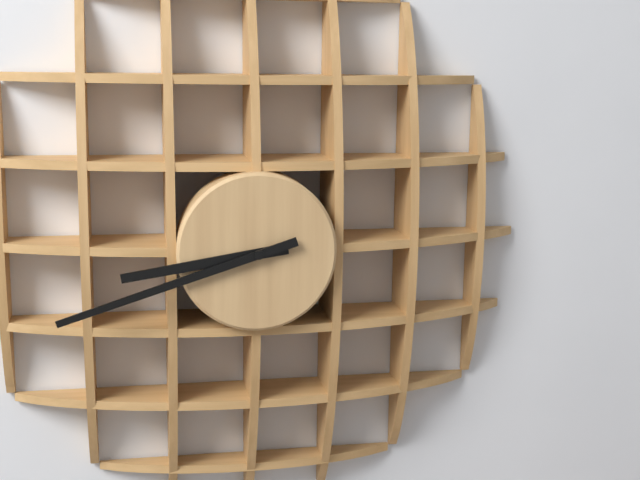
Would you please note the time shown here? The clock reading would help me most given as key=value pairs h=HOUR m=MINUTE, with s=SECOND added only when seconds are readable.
h=8 m=42
